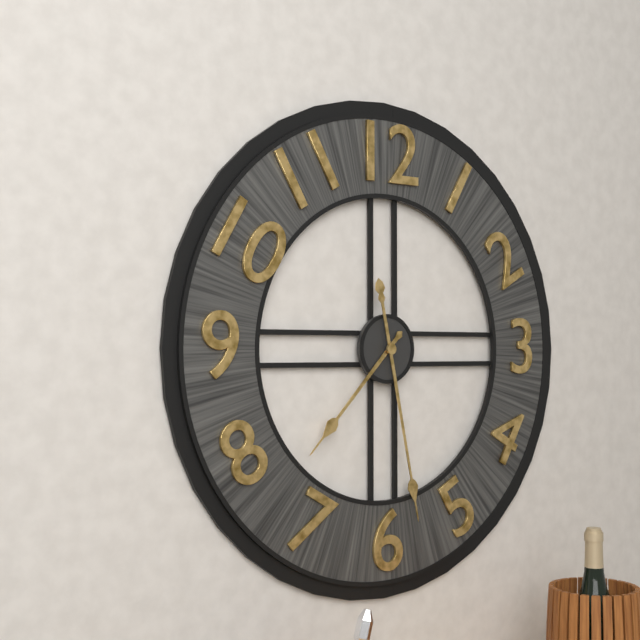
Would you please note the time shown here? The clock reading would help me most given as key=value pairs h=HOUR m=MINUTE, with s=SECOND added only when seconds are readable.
h=7 m=28
